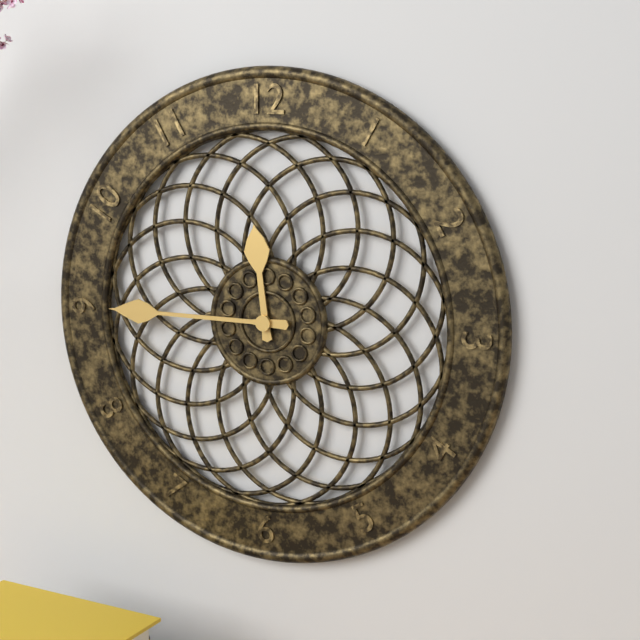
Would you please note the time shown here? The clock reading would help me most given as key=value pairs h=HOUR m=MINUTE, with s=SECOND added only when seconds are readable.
h=11 m=45
